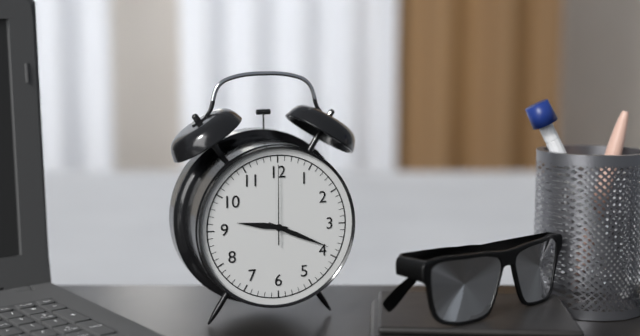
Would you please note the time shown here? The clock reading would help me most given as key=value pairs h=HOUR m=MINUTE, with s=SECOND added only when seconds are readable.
h=9 m=19 s=0
